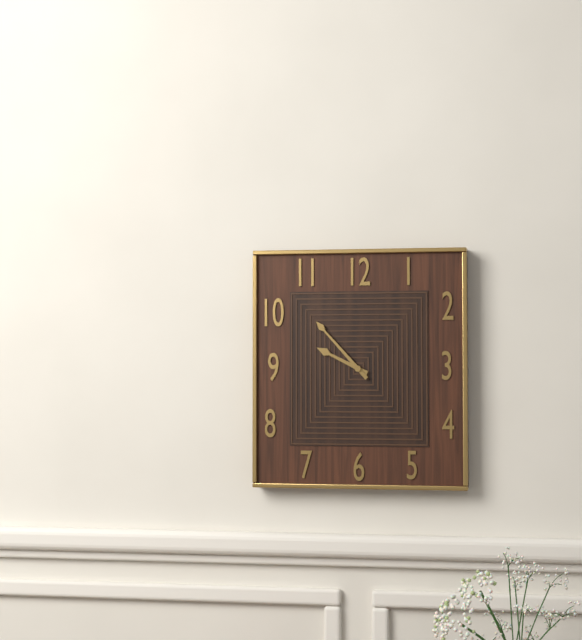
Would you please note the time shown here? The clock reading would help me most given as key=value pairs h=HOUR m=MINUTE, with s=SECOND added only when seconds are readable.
h=9 m=53
